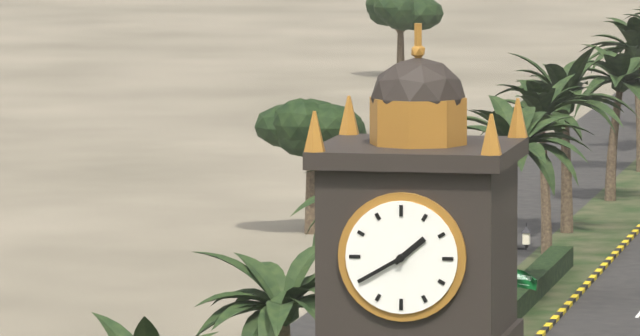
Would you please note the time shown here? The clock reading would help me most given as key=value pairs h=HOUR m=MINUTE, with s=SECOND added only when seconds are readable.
h=1 m=40
